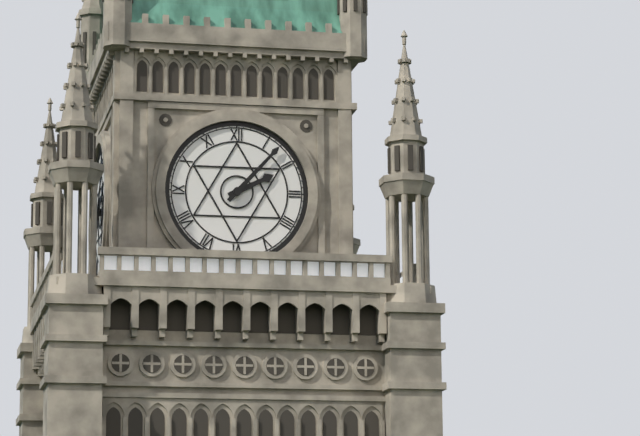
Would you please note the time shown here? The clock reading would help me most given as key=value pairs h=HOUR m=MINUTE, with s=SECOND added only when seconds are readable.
h=2 m=7
